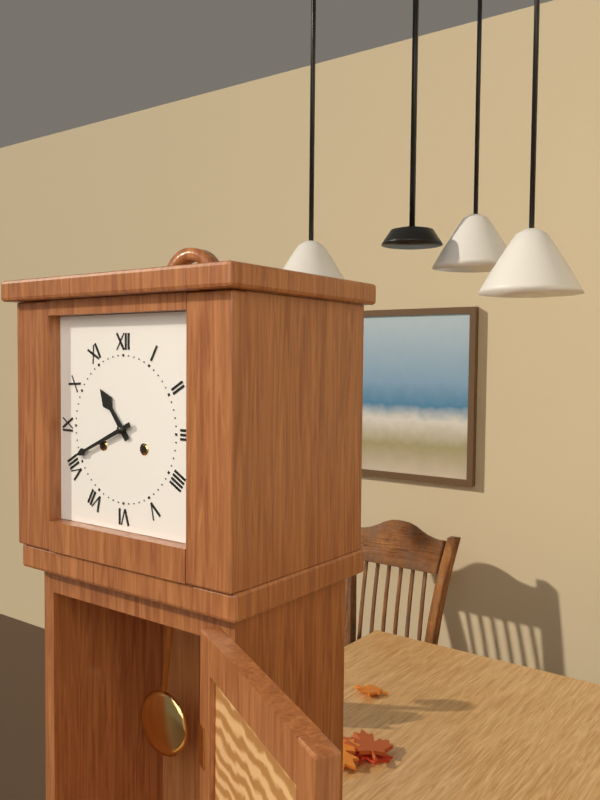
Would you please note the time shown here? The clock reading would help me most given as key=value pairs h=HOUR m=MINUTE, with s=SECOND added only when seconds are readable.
h=10 m=41
